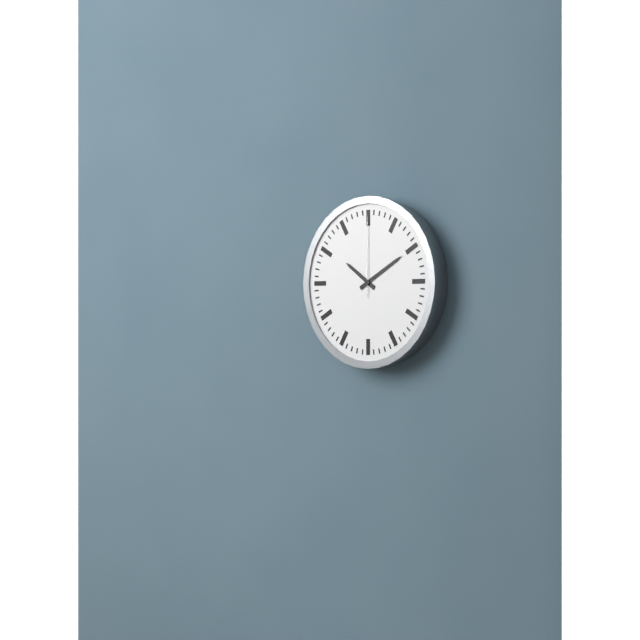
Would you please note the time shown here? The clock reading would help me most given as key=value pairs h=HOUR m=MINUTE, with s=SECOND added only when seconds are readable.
h=10 m=10 s=0
